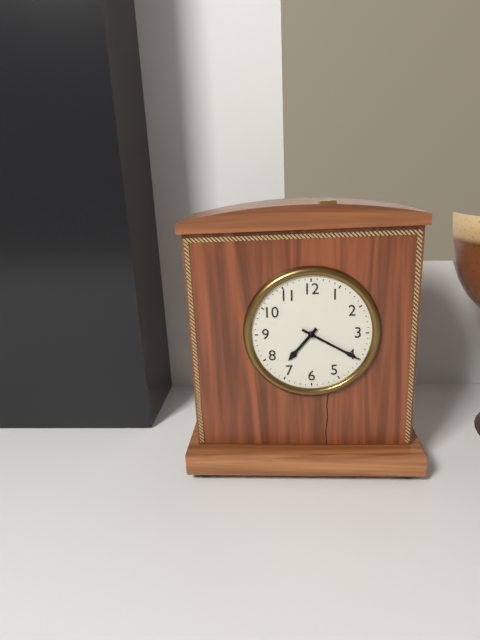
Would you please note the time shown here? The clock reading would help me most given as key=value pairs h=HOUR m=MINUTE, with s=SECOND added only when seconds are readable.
h=7 m=20
